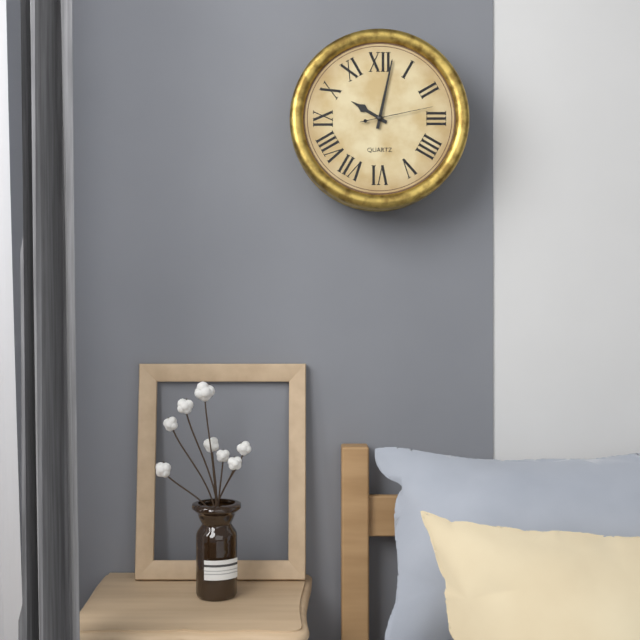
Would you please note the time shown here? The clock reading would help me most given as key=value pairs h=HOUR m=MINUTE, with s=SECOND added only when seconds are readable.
h=10 m=2 s=13
